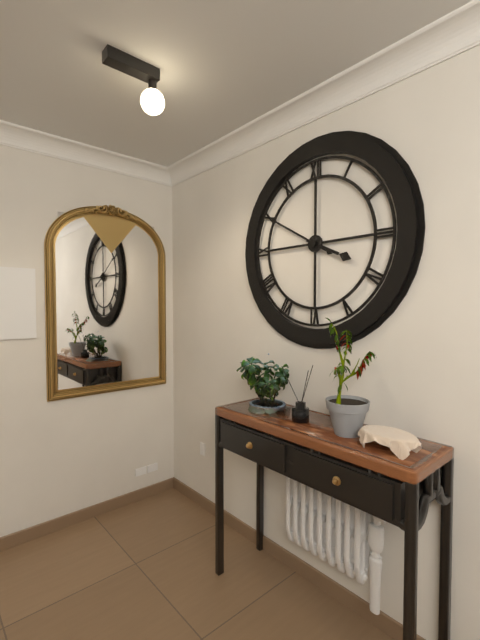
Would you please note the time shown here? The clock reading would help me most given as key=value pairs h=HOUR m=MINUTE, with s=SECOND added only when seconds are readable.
h=3 m=50
